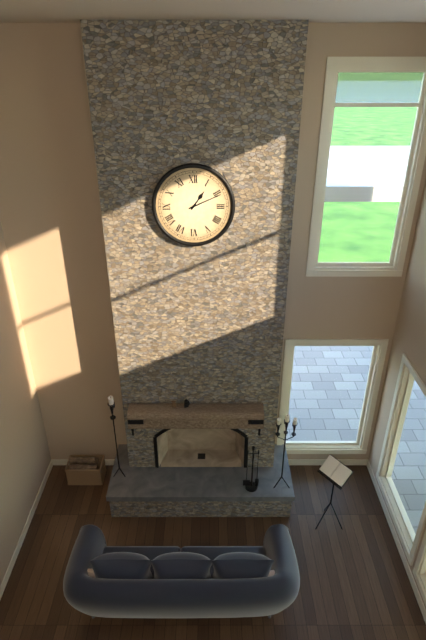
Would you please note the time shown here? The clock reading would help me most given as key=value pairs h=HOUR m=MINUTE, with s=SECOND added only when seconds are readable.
h=1 m=11
